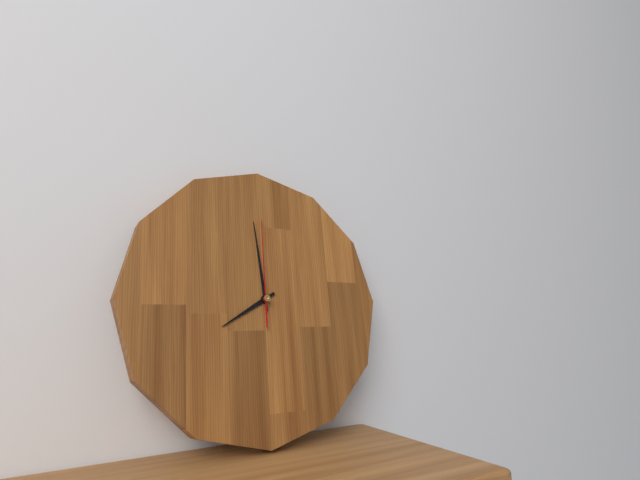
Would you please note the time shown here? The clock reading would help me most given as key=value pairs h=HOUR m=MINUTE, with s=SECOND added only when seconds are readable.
h=7 m=59 s=0
